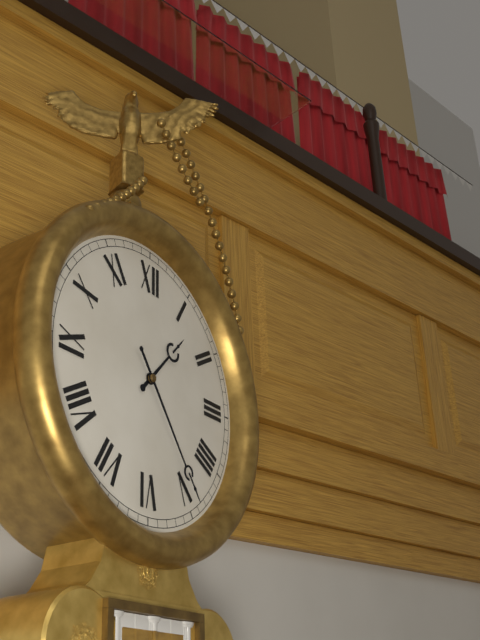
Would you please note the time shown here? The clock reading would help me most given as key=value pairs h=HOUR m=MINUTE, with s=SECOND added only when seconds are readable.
h=1 m=24
